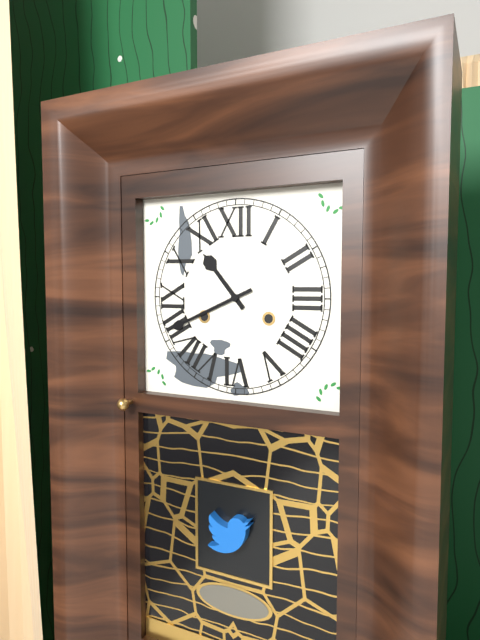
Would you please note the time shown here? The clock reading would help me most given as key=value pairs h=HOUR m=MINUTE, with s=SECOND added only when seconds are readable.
h=10 m=41
